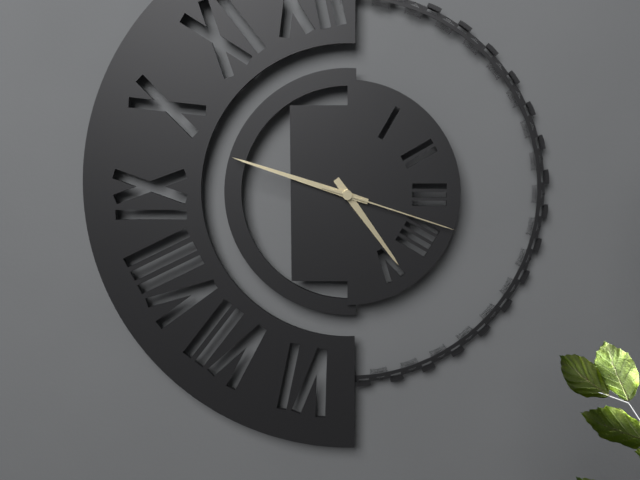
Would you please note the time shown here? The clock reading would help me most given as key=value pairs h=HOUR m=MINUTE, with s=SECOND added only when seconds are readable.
h=4 m=48 s=18
